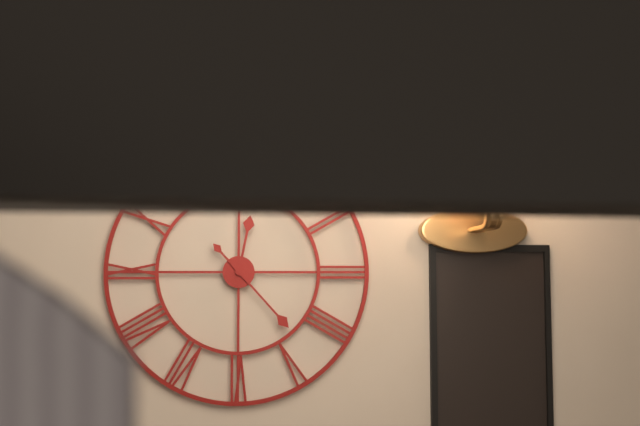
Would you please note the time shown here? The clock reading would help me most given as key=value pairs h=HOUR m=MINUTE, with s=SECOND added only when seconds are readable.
h=12 m=23
